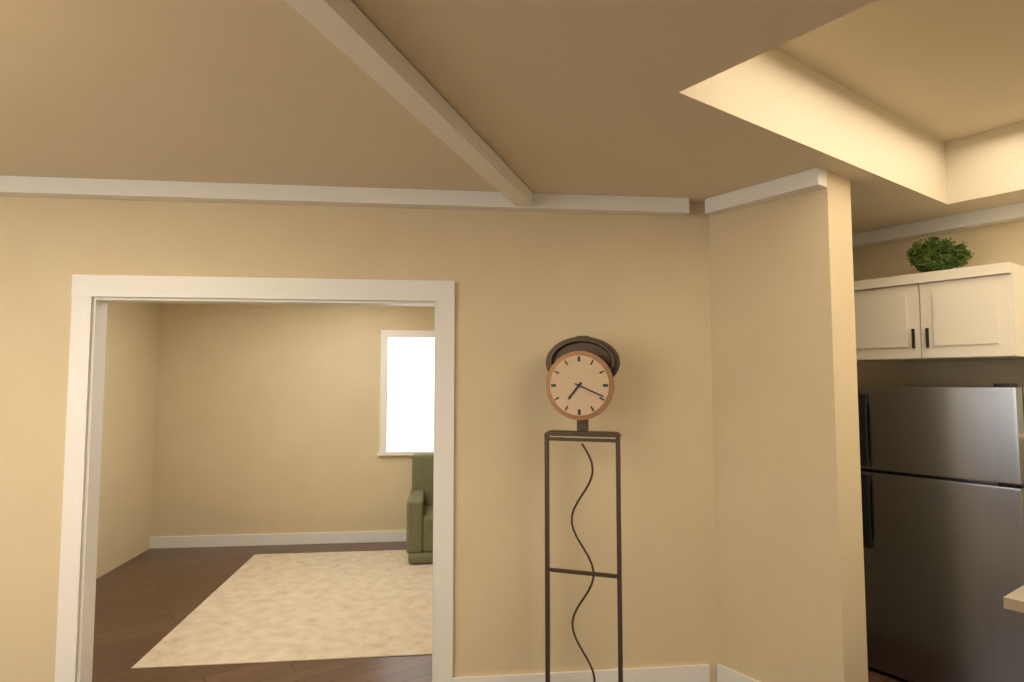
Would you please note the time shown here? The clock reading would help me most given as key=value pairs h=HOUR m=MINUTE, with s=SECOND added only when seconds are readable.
h=7 m=19
